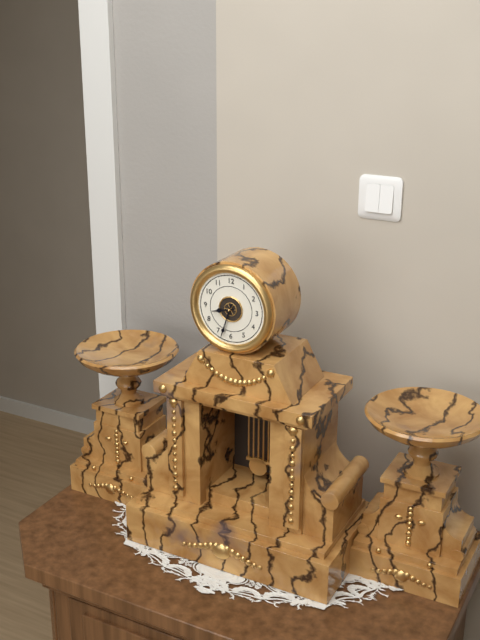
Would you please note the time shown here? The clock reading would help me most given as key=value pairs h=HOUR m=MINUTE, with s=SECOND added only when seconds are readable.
h=8 m=33
